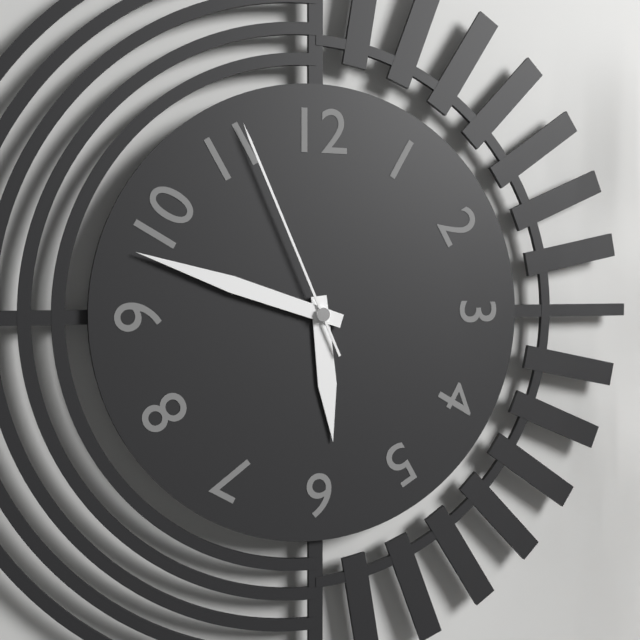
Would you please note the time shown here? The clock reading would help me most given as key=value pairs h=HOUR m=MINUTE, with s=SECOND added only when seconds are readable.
h=5 m=48 s=56
